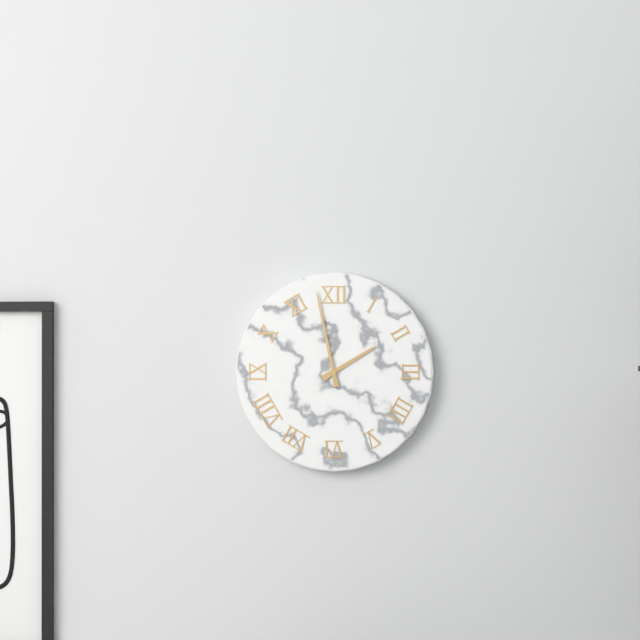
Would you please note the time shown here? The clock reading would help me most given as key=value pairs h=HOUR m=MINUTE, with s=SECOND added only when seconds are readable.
h=1 m=58
